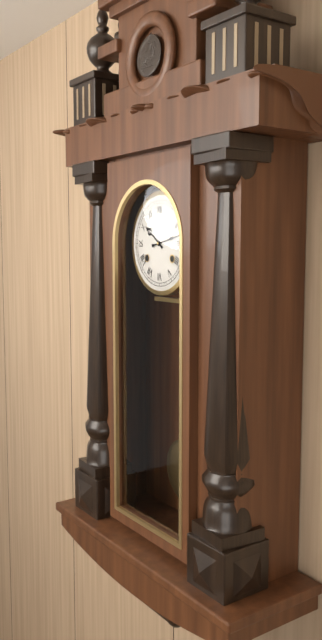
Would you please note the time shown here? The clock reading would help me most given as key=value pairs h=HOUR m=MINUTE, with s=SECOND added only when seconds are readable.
h=10 m=13
